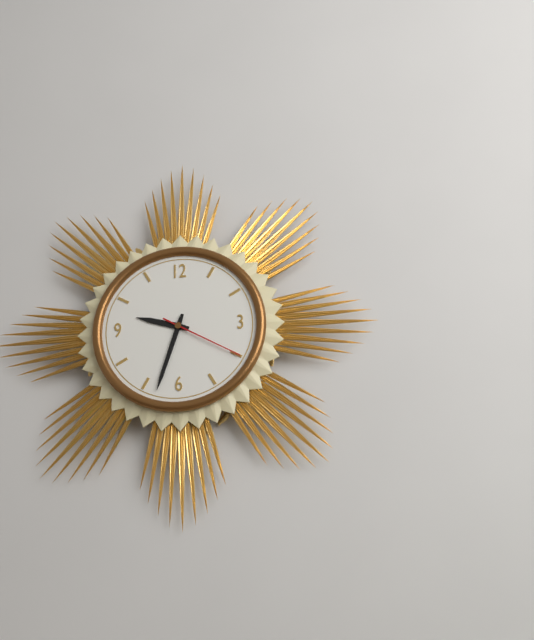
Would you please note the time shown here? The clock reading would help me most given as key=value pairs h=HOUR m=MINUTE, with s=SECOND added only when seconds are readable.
h=9 m=33 s=20
